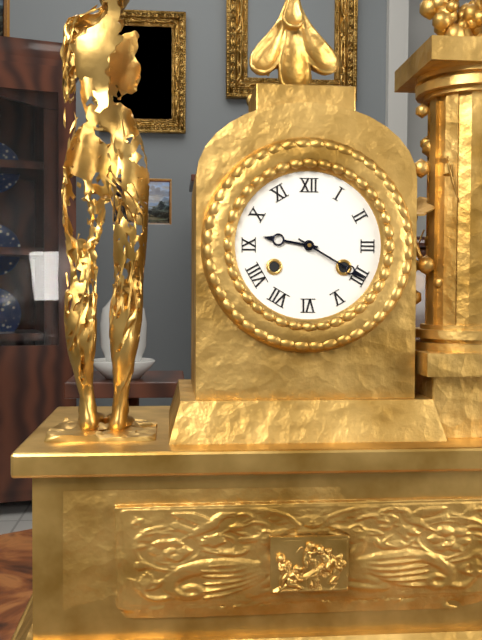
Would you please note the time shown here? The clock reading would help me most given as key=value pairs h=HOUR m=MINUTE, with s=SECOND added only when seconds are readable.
h=9 m=20
